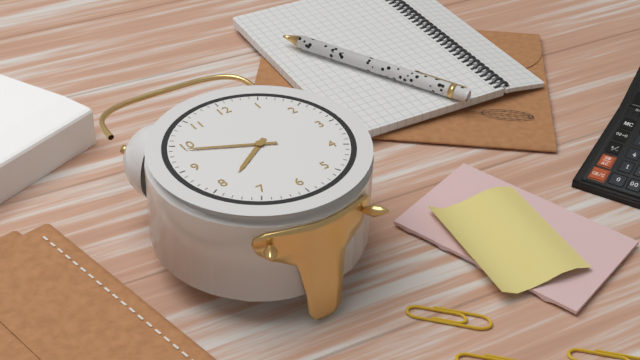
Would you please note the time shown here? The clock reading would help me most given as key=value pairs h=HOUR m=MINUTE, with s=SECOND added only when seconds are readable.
h=7 m=49
